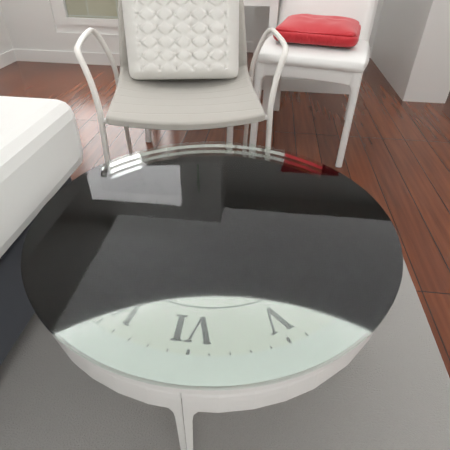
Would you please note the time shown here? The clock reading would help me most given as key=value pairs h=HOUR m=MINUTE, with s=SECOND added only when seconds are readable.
h=1 m=6
